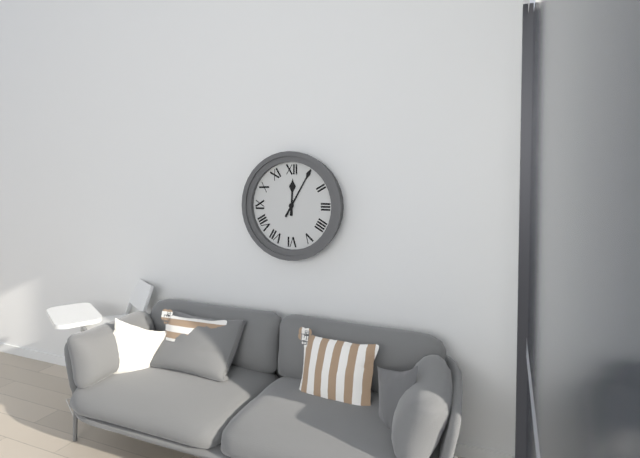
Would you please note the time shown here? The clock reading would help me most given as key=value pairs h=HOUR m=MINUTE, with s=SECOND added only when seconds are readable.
h=12 m=5
